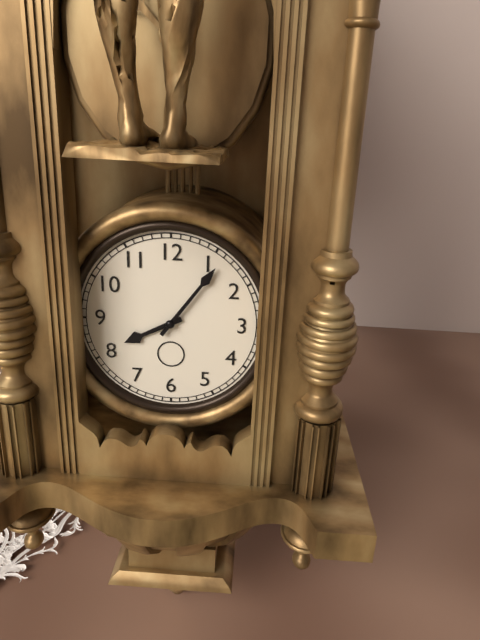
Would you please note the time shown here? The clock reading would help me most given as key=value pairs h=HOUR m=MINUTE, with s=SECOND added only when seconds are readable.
h=8 m=6
